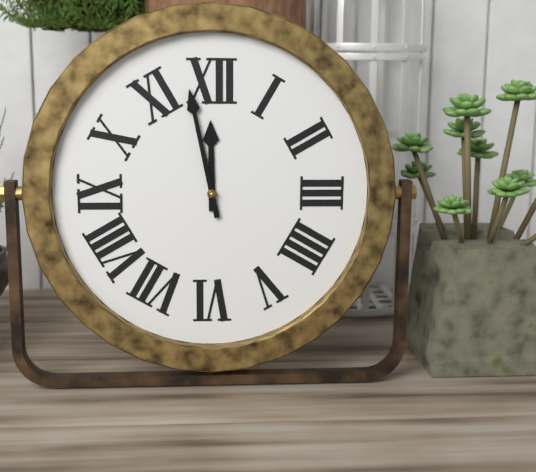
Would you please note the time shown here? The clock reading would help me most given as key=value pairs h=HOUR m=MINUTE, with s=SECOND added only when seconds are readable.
h=11 m=58
